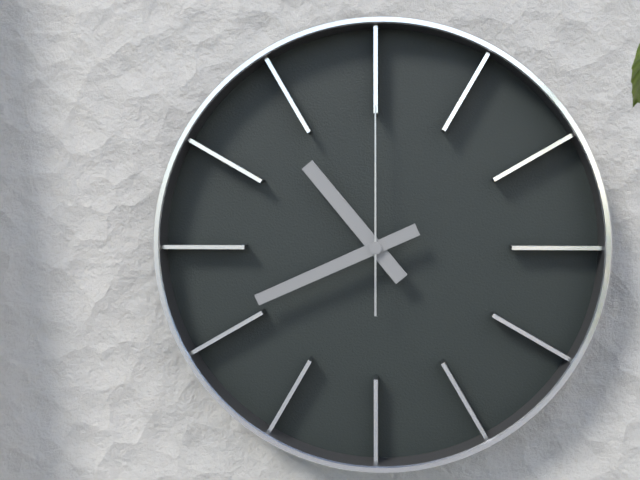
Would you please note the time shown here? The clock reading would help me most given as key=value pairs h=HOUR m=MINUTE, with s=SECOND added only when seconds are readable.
h=10 m=41 s=0
